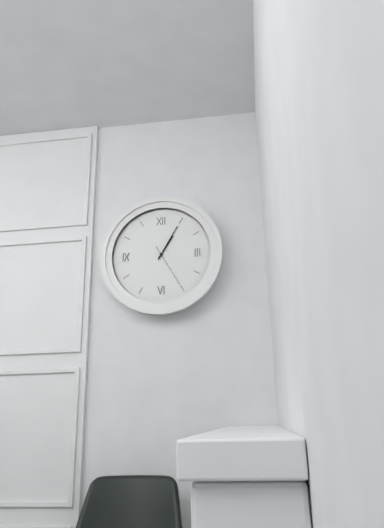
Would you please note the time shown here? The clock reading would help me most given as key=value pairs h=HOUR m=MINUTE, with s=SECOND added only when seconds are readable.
h=1 m=5
